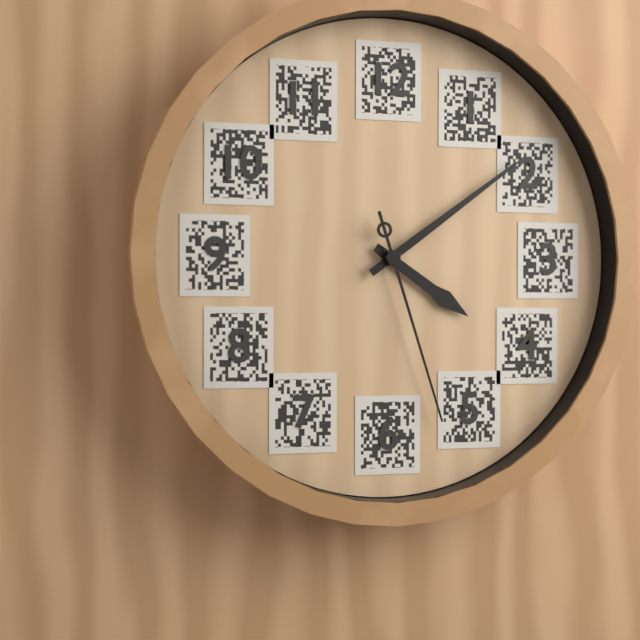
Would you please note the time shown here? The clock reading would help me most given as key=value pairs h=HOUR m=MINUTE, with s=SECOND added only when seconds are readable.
h=4 m=9 s=27
